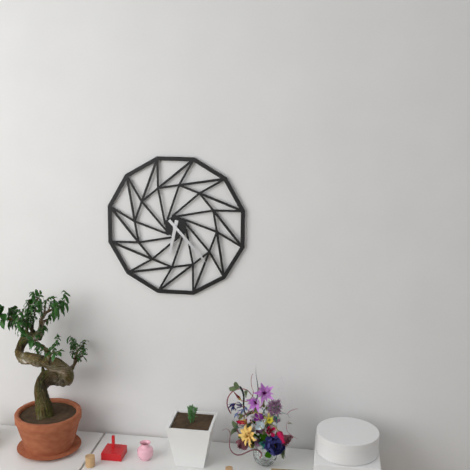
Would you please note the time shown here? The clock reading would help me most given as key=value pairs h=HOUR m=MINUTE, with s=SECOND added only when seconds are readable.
h=6 m=23
